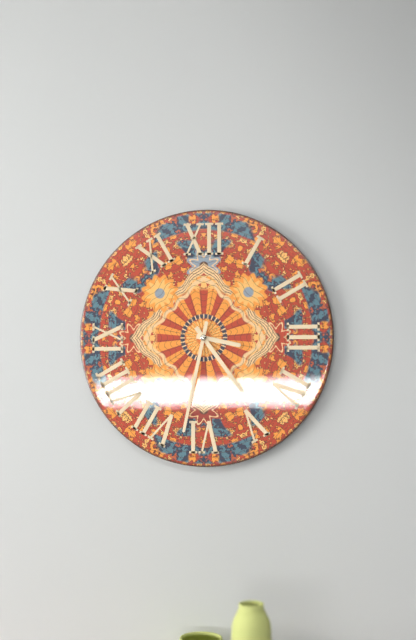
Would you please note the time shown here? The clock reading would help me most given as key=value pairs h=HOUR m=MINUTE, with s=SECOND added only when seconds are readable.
h=3 m=24 s=32
